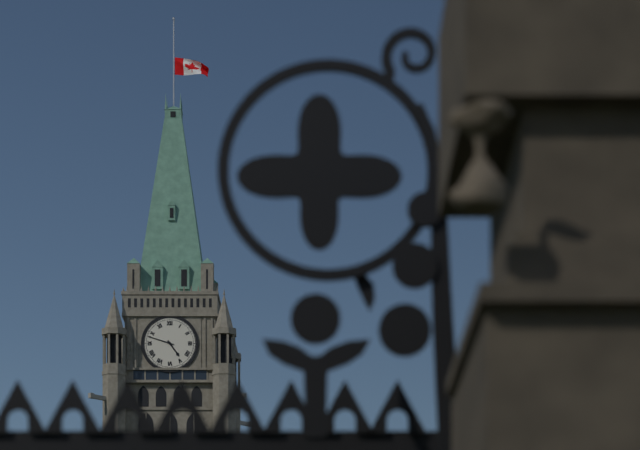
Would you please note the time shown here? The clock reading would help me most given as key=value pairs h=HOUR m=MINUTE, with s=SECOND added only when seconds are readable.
h=4 m=48
